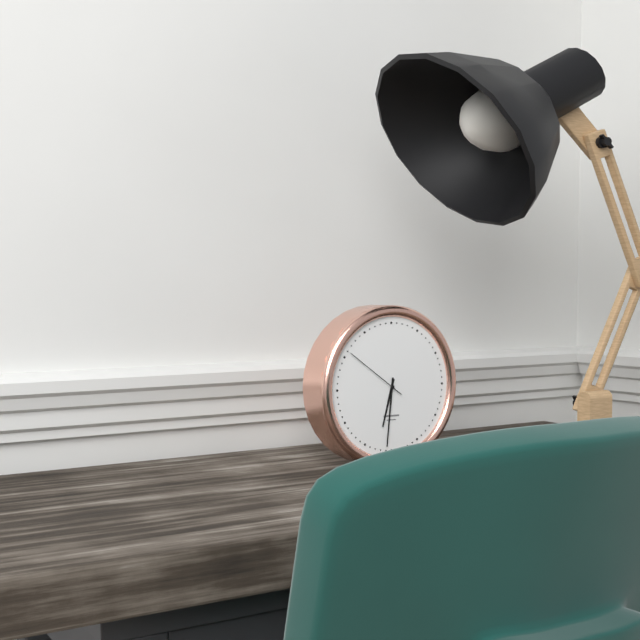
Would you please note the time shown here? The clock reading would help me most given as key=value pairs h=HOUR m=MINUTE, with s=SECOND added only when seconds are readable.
h=6 m=31 s=51
